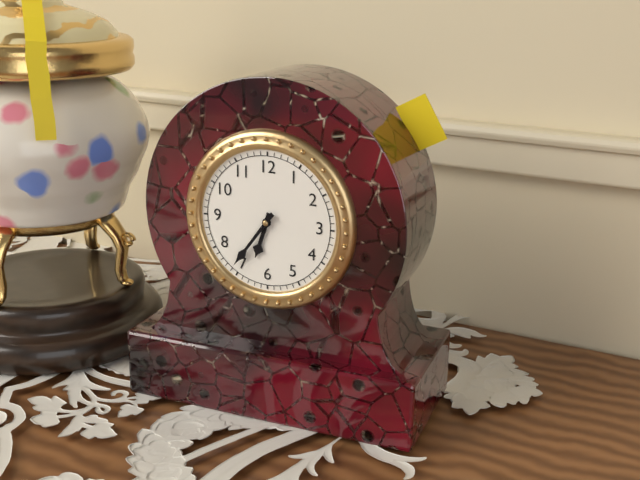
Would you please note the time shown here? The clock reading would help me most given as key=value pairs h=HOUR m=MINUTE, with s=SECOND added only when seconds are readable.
h=6 m=36
